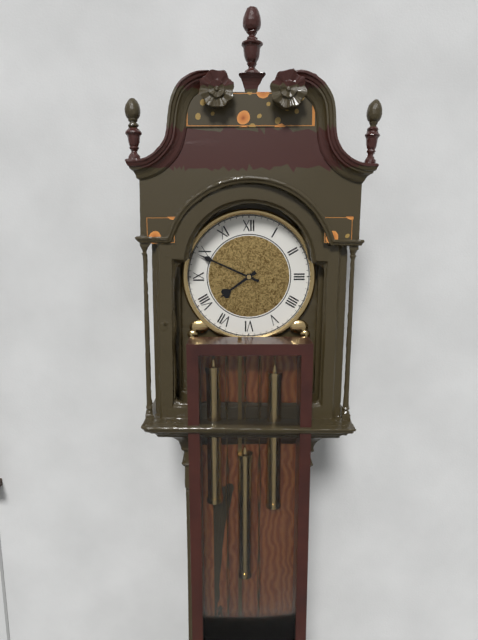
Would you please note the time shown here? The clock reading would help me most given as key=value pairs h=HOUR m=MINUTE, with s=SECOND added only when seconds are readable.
h=7 m=49
